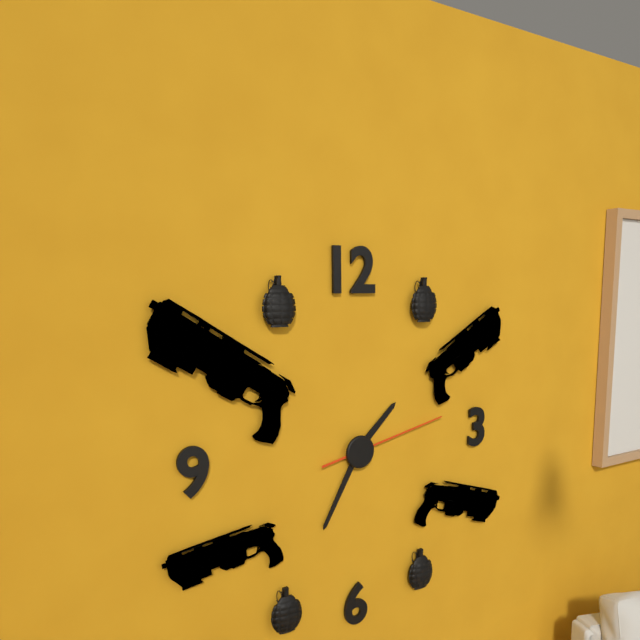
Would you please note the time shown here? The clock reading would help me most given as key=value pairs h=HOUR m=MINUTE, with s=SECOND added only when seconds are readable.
h=1 m=35 s=13
